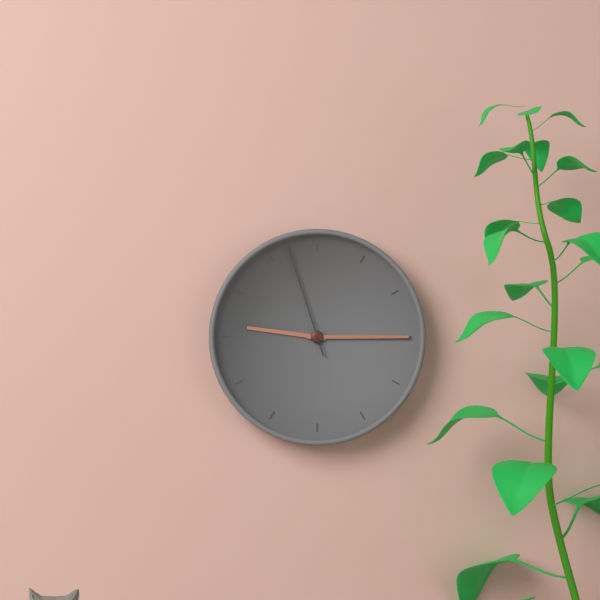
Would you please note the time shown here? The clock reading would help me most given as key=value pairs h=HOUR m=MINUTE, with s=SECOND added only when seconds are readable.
h=9 m=15 s=57
